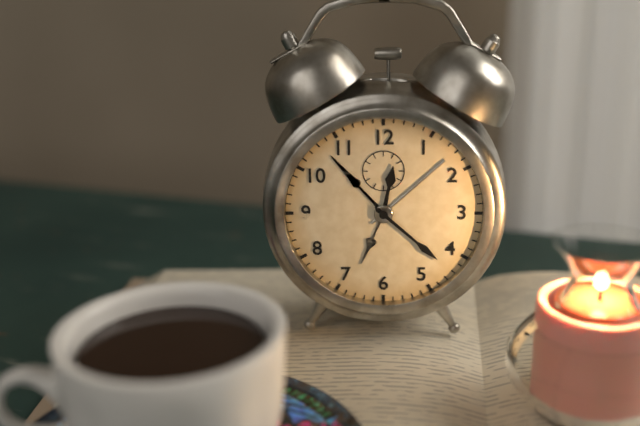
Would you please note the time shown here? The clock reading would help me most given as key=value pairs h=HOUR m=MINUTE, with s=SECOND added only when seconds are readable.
h=12 m=22
